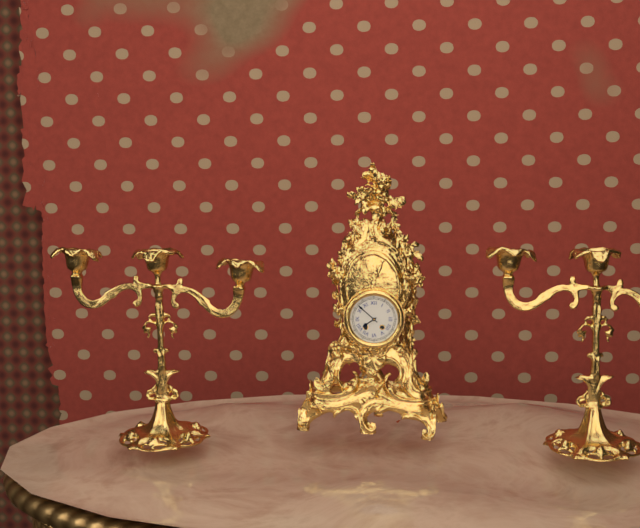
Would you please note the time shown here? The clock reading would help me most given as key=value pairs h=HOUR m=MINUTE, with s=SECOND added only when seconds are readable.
h=7 m=52
